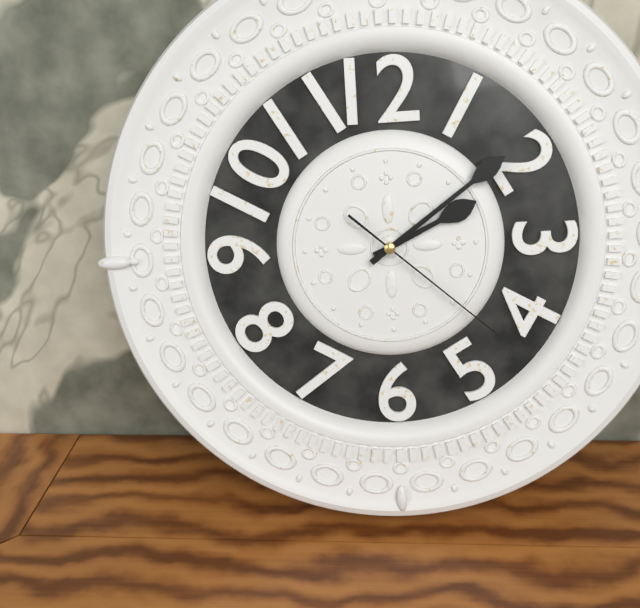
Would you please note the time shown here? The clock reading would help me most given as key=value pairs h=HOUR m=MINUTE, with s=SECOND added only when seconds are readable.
h=2 m=9 s=22
